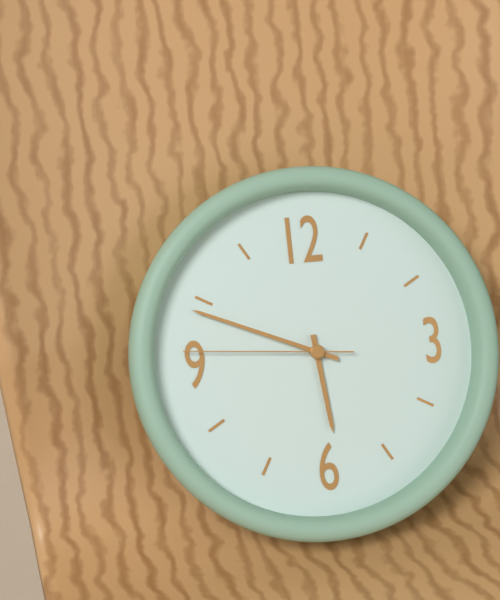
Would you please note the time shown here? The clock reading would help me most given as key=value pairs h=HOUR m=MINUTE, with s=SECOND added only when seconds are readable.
h=5 m=49 s=46
